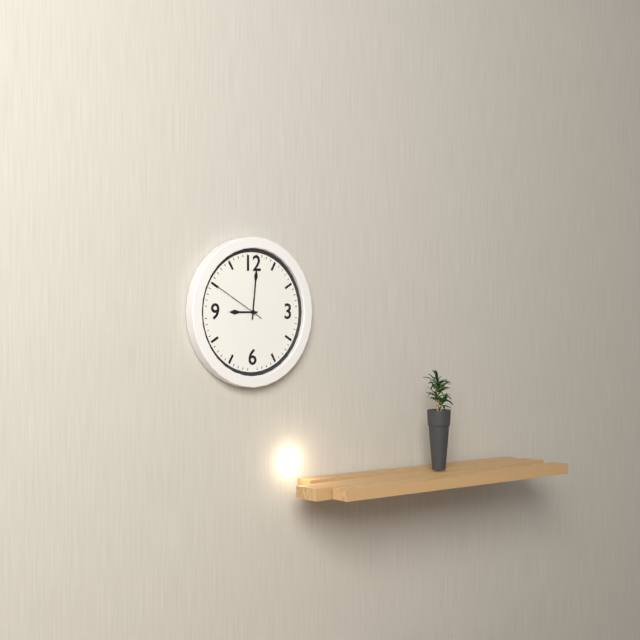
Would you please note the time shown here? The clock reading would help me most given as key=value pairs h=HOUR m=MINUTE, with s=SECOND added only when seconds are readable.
h=9 m=1 s=50
